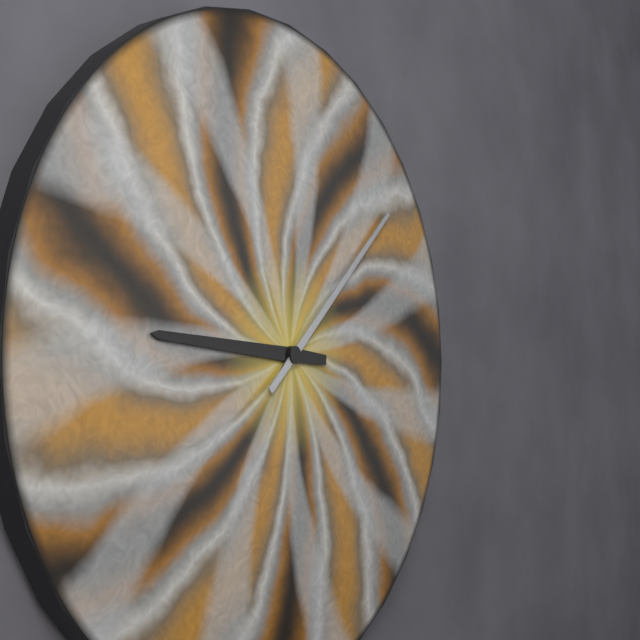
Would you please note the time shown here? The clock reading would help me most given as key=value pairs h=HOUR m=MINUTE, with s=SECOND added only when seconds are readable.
h=9 m=8
